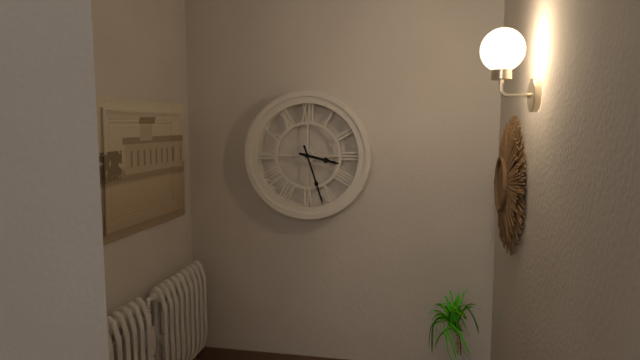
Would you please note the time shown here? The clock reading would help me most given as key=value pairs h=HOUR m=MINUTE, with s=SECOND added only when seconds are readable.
h=3 m=27
